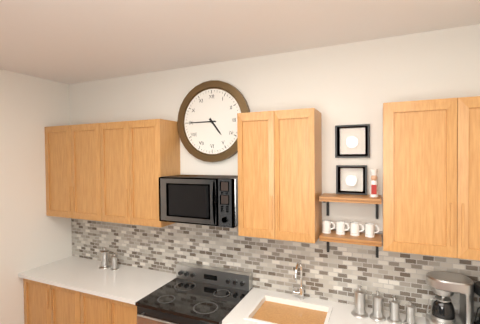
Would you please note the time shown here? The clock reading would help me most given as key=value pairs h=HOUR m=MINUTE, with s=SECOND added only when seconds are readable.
h=4 m=45
